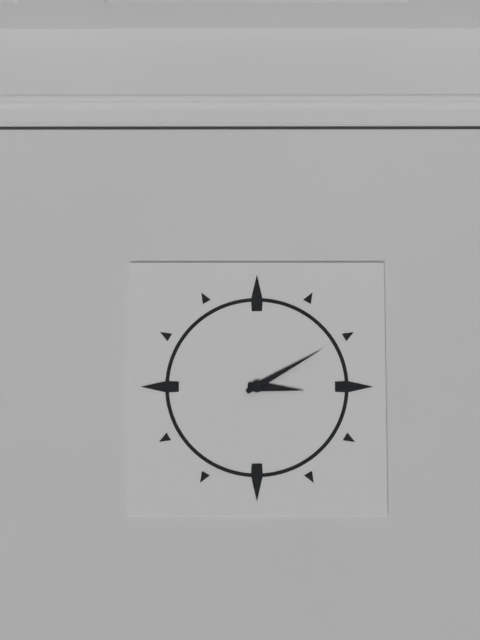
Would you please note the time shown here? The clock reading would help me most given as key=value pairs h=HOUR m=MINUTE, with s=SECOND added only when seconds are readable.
h=3 m=10
